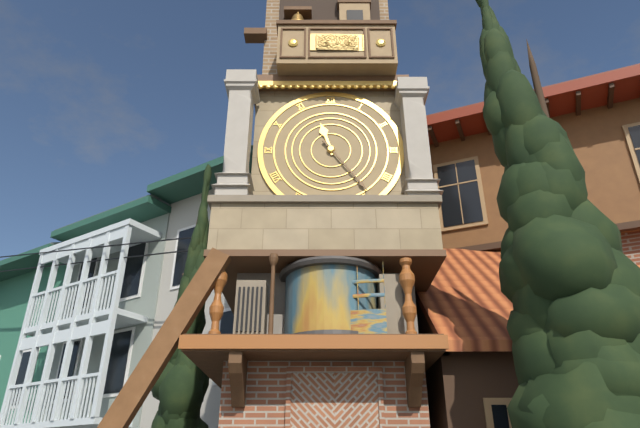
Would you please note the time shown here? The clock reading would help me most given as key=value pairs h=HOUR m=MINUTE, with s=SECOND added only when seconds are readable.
h=11 m=24
